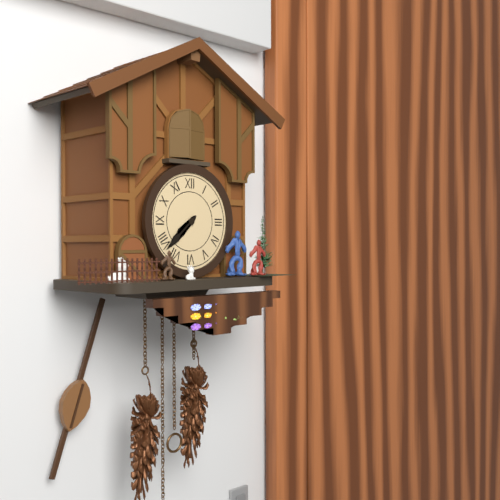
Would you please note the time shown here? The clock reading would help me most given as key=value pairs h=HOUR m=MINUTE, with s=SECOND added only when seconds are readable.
h=7 m=38
